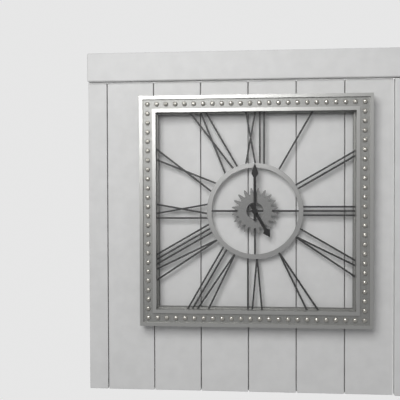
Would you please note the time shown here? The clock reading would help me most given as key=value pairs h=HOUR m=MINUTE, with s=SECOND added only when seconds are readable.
h=5 m=0
